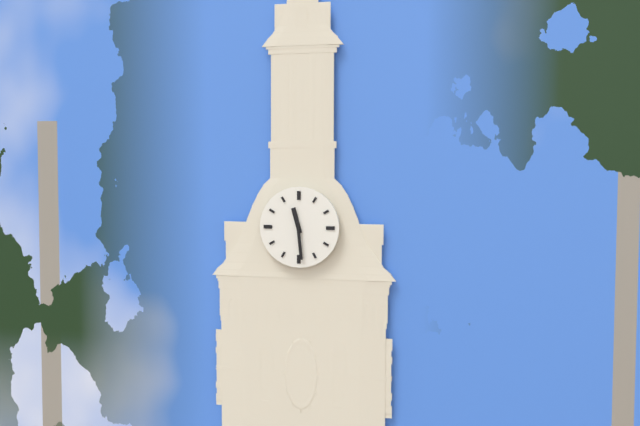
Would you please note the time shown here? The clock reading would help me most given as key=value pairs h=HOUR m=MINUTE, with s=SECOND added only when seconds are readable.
h=11 m=29
